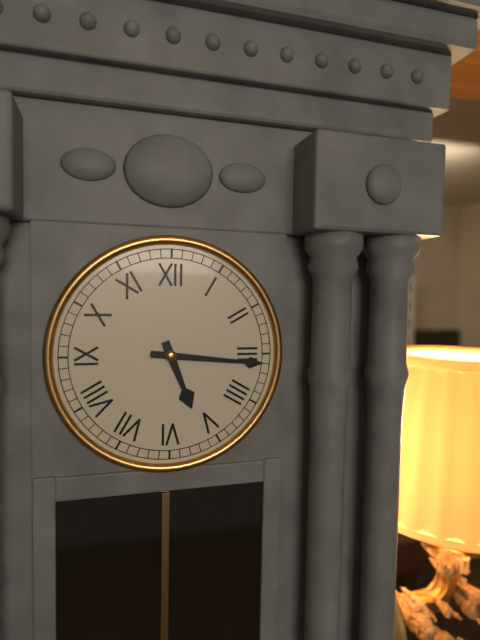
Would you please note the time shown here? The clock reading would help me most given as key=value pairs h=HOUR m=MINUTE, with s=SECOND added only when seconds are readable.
h=5 m=16
